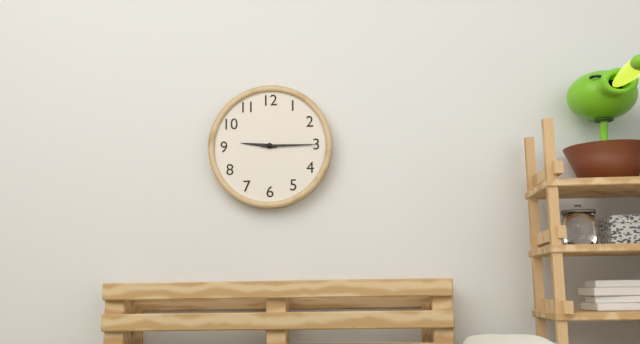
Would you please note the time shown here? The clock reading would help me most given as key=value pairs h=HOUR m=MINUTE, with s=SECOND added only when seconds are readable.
h=9 m=15
